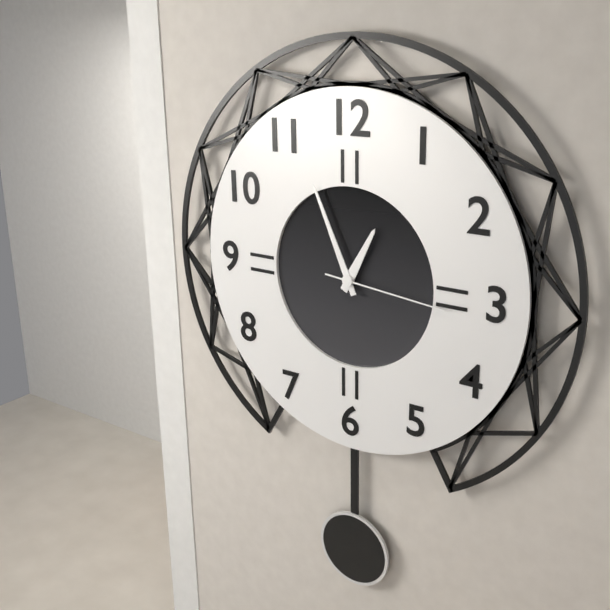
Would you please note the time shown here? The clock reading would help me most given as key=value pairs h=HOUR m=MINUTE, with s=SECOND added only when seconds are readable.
h=12 m=56 s=16
